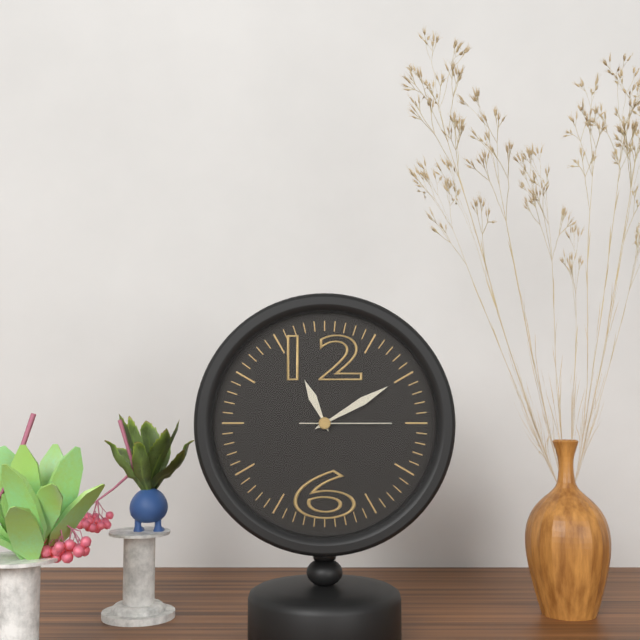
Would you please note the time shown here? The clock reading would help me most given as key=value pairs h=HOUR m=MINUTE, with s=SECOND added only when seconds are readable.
h=11 m=10 s=15
